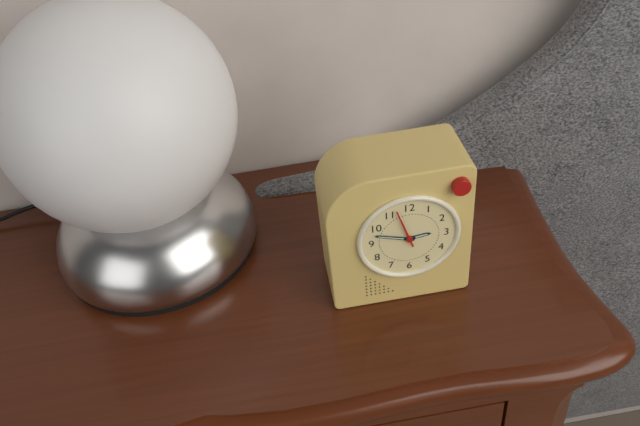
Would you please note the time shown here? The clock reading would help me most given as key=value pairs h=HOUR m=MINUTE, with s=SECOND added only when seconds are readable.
h=2 m=48
